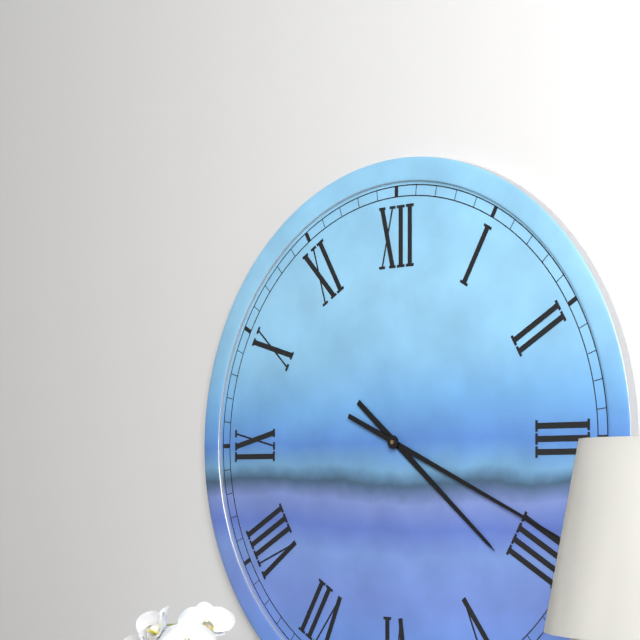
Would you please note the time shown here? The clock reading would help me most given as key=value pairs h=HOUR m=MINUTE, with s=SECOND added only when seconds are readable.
h=4 m=19
